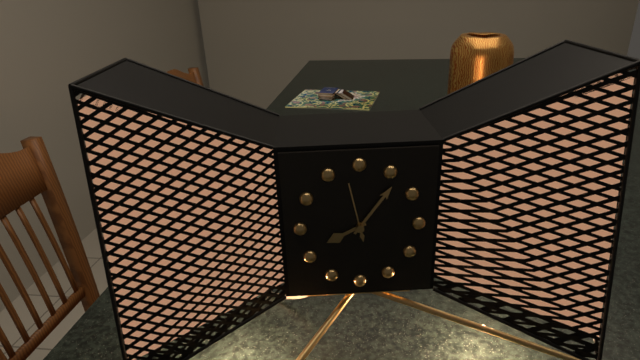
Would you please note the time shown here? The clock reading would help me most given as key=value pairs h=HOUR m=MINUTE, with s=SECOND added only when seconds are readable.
h=8 m=6 s=58
